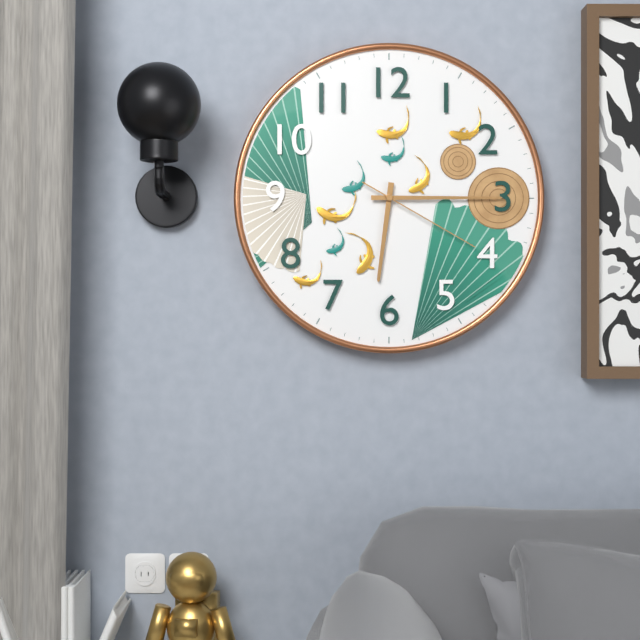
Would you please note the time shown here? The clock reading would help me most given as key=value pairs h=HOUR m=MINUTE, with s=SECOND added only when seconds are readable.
h=6 m=15 s=20
